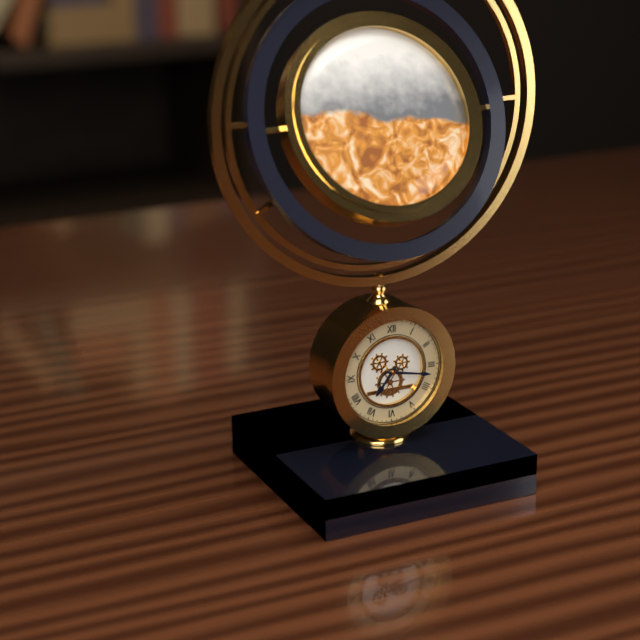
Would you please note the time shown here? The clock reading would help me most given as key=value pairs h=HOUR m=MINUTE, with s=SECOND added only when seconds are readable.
h=7 m=17
